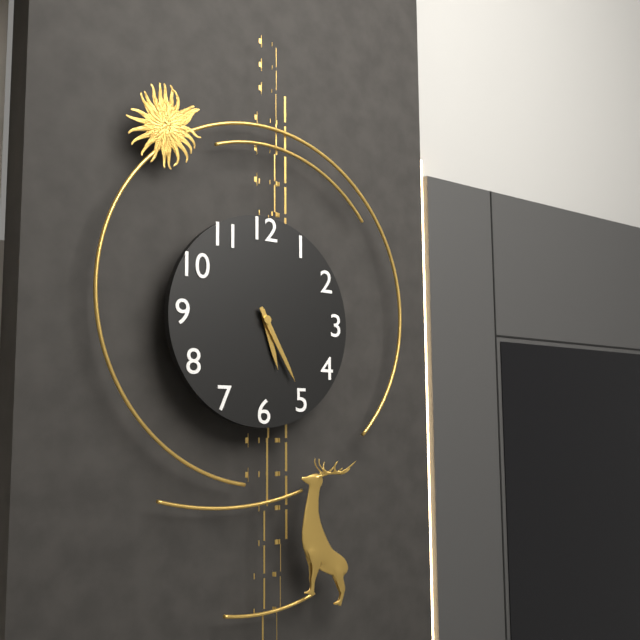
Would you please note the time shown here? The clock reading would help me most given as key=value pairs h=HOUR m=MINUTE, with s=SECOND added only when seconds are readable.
h=5 m=25
